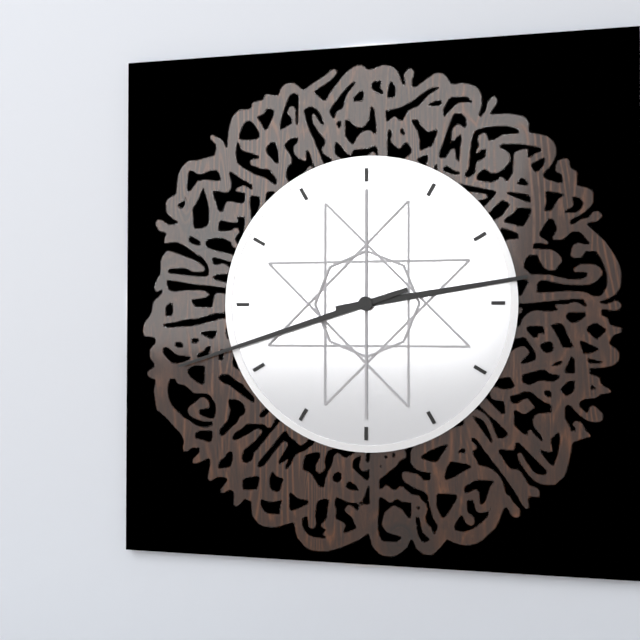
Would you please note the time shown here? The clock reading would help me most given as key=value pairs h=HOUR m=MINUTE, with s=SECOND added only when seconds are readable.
h=2 m=42
